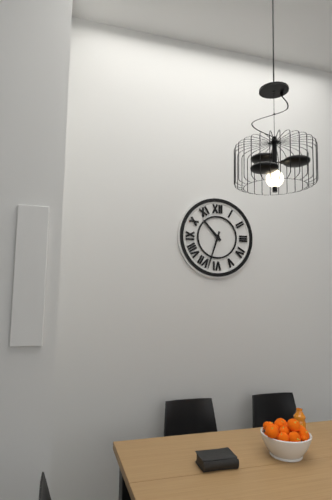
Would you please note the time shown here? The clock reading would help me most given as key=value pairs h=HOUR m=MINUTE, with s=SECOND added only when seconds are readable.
h=10 m=33
